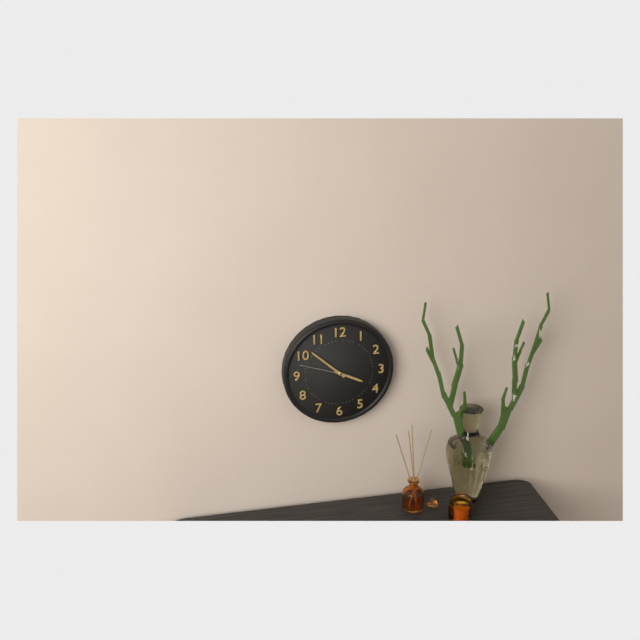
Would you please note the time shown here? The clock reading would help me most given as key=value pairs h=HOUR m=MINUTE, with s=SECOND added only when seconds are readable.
h=3 m=52
